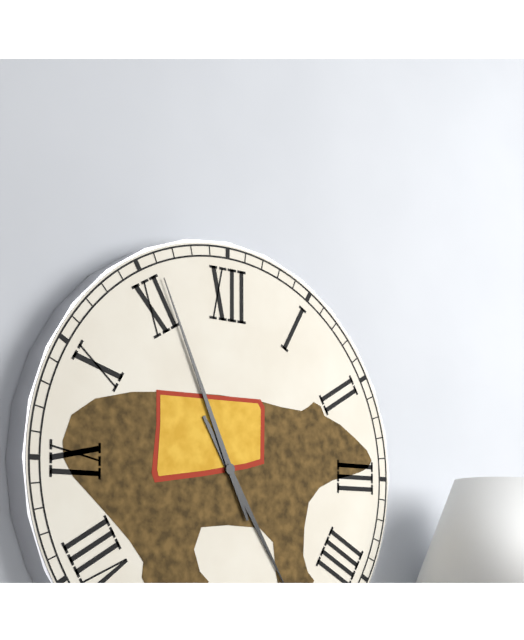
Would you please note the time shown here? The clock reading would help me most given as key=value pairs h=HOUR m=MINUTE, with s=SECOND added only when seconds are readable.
h=4 m=56
